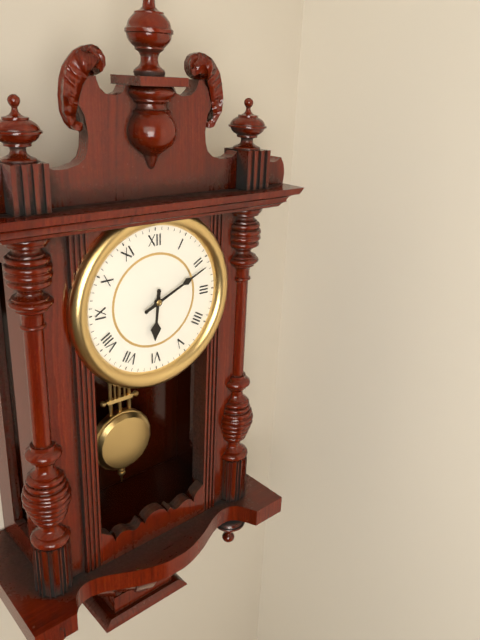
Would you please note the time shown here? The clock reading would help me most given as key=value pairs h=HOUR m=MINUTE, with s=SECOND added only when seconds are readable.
h=6 m=11
